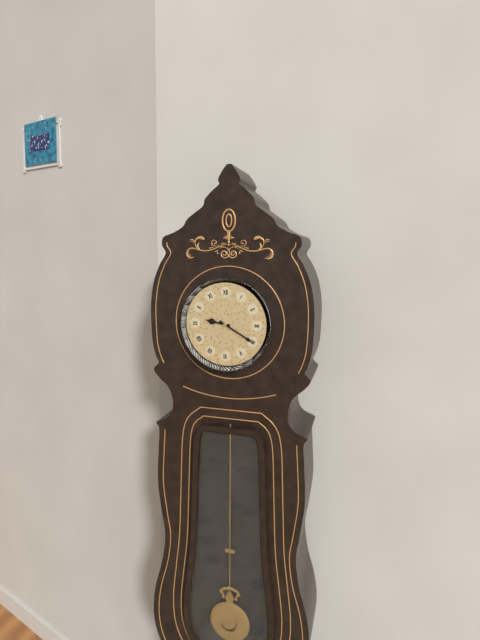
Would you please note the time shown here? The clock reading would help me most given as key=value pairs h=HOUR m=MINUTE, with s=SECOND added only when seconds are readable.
h=9 m=20
